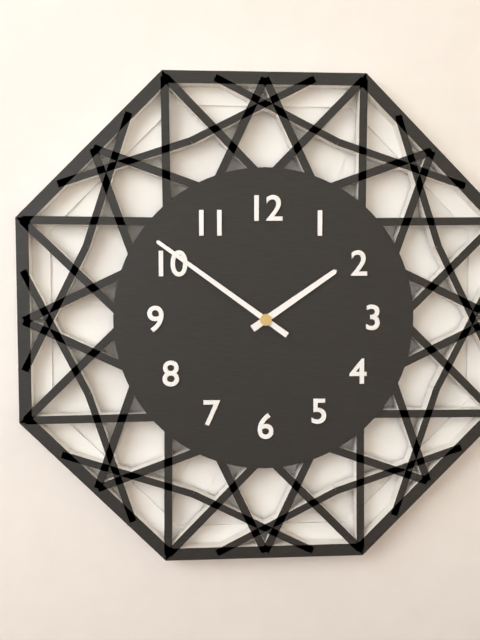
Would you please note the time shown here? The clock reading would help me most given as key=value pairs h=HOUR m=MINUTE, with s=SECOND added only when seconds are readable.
h=1 m=51
